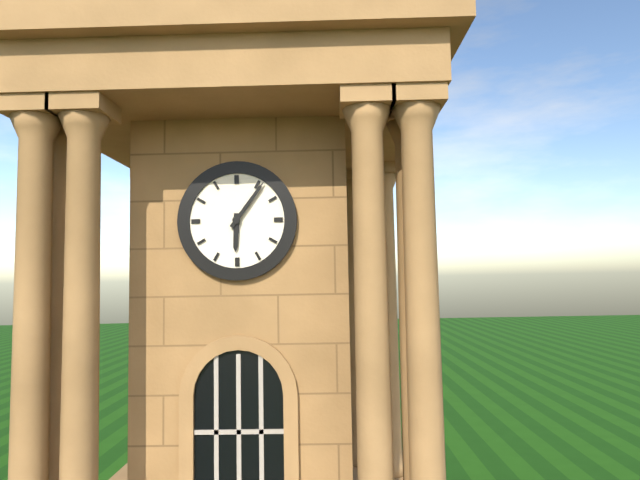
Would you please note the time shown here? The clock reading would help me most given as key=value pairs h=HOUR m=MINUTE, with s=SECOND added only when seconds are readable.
h=6 m=6
